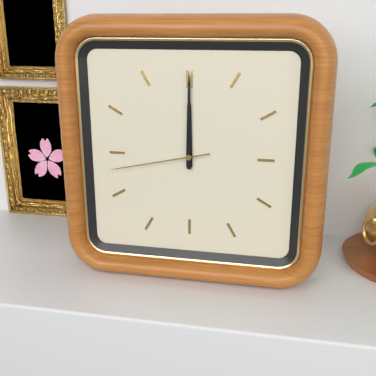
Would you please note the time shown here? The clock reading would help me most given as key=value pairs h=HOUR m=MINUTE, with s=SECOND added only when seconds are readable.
h=12 m=0 s=43
